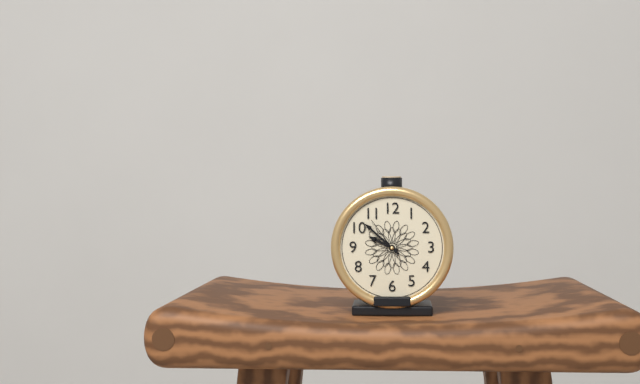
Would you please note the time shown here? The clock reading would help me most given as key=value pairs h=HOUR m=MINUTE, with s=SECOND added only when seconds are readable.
h=9 m=52
